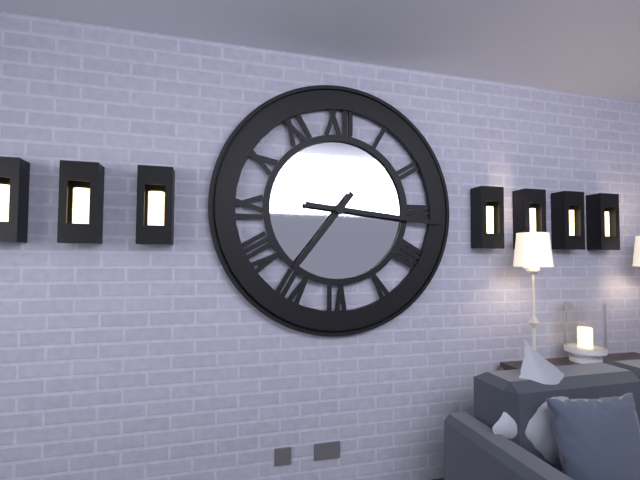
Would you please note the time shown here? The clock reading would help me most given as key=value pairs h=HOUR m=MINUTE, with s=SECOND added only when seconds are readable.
h=7 m=16
